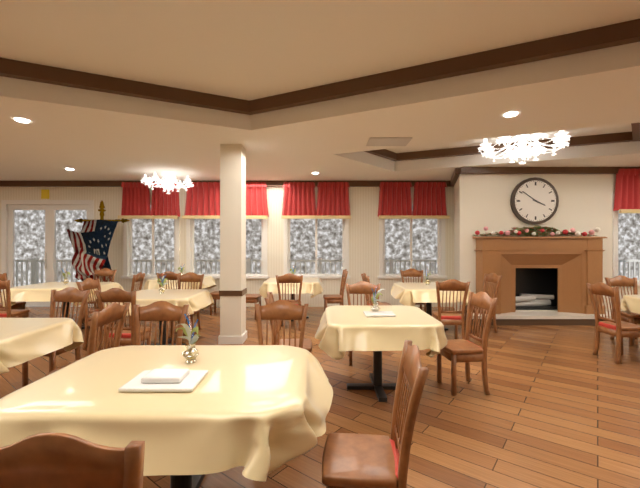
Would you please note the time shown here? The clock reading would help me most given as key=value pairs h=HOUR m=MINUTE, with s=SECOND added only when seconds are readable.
h=3 m=51
